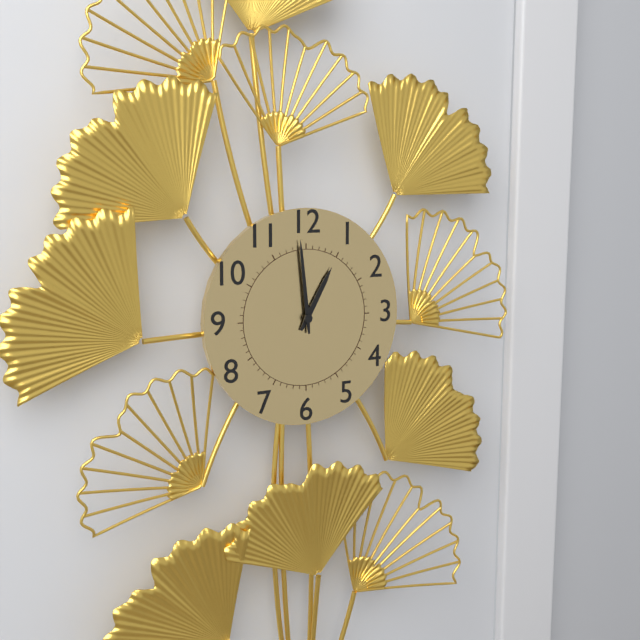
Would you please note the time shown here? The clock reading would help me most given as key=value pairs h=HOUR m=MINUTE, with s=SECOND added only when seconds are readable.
h=12 m=59
